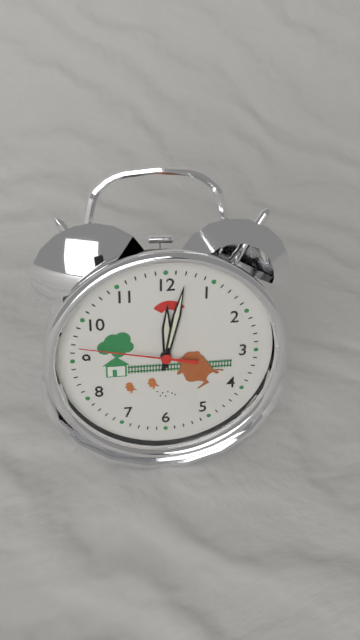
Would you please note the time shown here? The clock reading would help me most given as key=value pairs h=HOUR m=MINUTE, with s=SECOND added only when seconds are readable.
h=12 m=2 s=47
